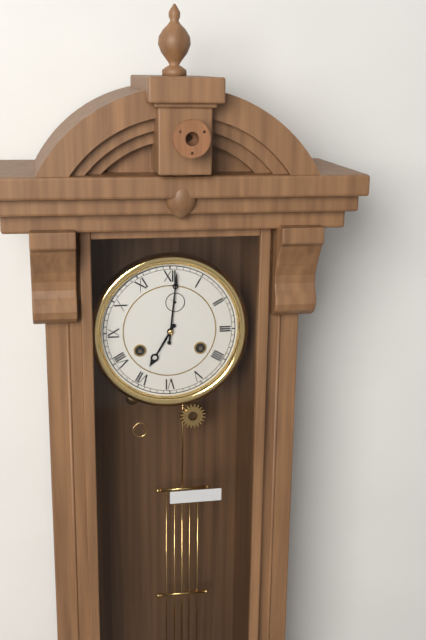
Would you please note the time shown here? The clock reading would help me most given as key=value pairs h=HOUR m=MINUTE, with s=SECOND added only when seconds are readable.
h=7 m=1
